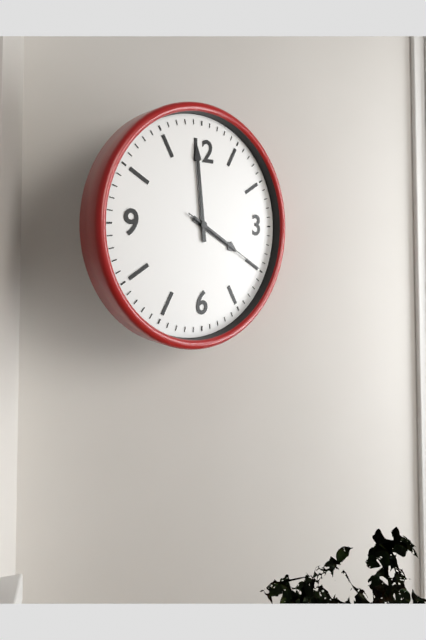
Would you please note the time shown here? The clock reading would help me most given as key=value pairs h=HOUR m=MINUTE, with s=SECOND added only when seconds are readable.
h=3 m=59 s=20
